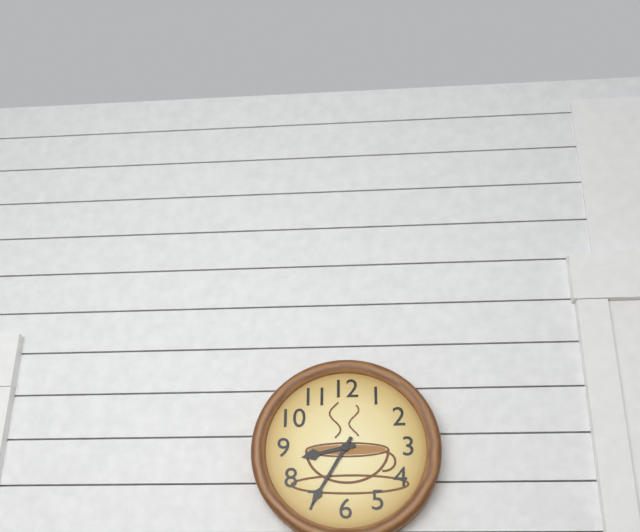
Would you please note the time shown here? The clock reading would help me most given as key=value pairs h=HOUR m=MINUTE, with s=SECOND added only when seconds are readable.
h=8 m=35
